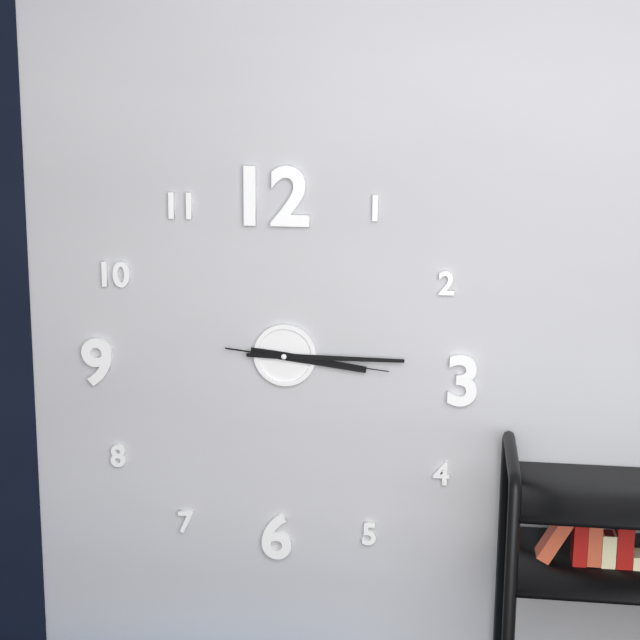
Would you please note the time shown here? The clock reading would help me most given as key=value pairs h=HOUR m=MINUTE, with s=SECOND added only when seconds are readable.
h=3 m=15 s=16
